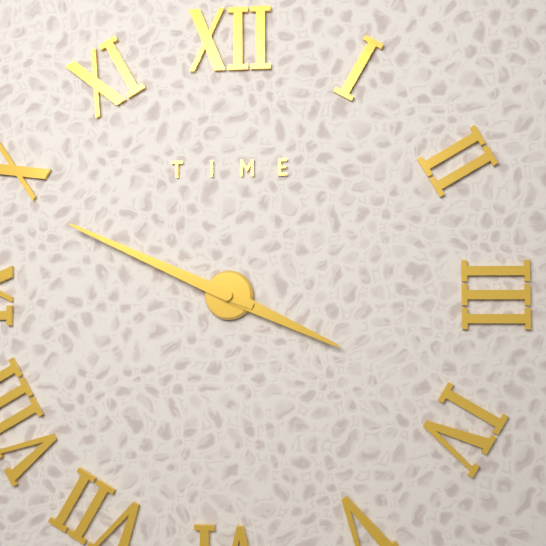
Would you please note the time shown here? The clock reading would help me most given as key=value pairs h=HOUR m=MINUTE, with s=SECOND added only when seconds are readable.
h=3 m=49
